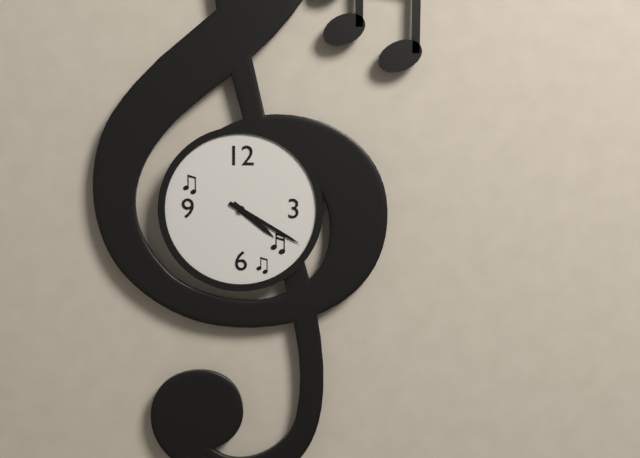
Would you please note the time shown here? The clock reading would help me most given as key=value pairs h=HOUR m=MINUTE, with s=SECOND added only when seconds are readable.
h=4 m=20
